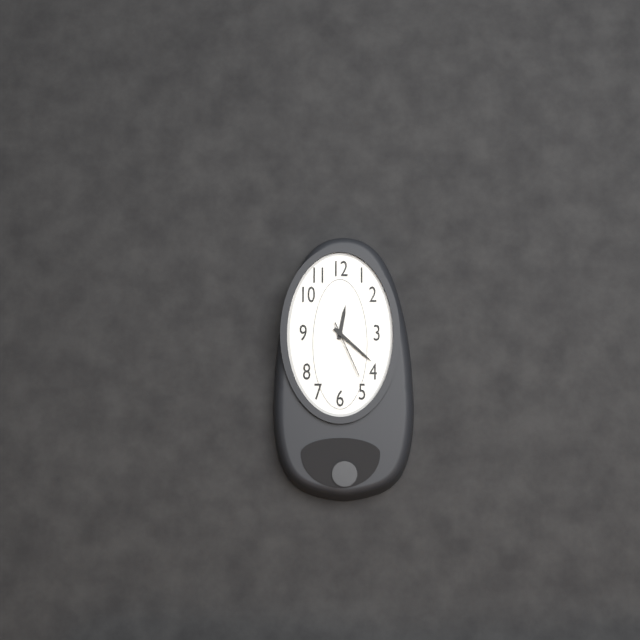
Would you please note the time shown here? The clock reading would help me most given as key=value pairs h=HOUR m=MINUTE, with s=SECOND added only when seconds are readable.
h=12 m=22 s=26
